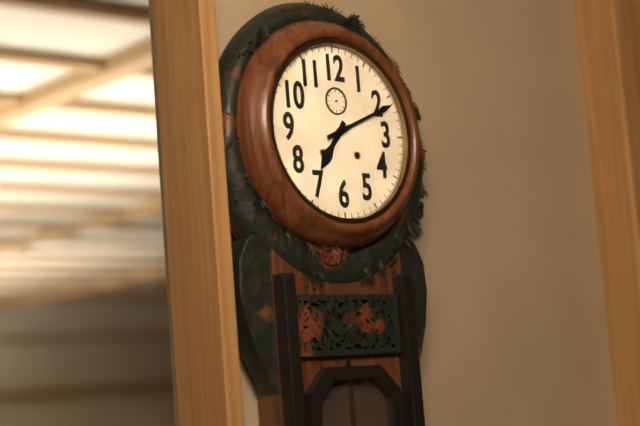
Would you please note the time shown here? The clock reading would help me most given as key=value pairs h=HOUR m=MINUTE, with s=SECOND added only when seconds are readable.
h=7 m=11
